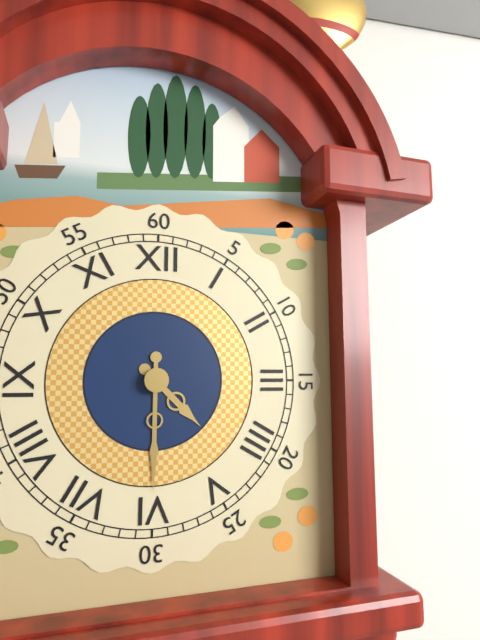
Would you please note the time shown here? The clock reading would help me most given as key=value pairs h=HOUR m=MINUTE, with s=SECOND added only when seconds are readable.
h=4 m=30
